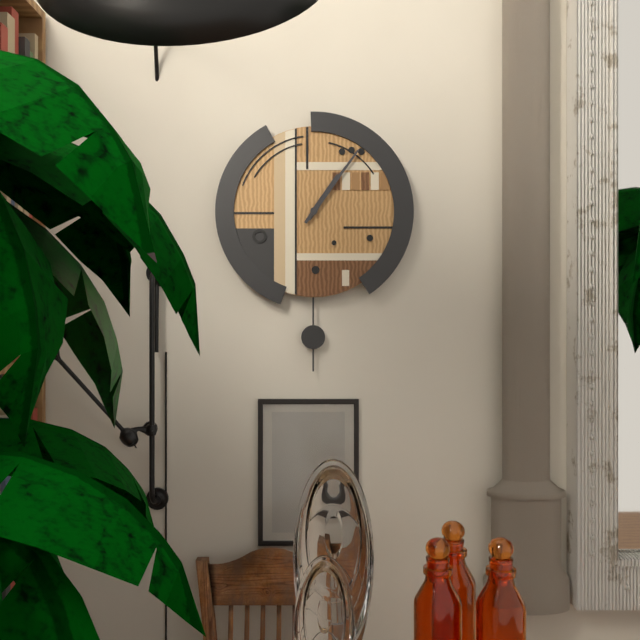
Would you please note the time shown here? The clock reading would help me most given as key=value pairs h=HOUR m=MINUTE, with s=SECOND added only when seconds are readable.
h=1 m=6
